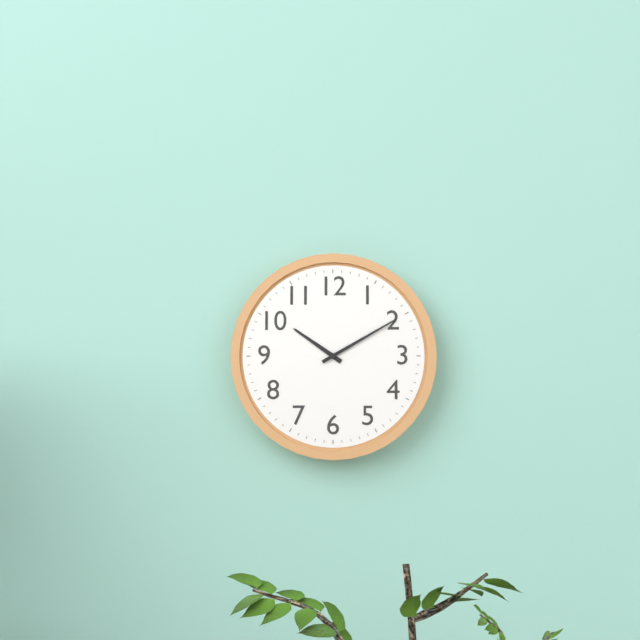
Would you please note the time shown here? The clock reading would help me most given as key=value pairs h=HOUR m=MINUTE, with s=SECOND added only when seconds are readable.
h=10 m=10
